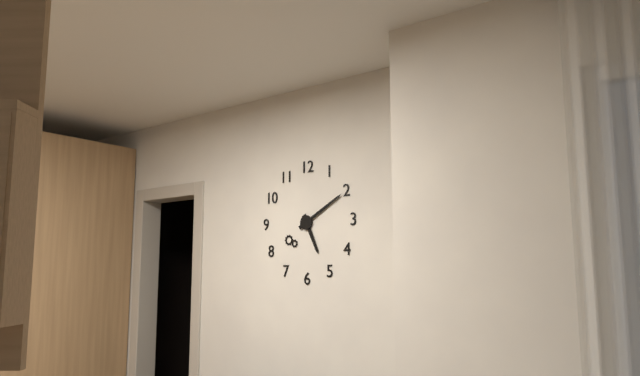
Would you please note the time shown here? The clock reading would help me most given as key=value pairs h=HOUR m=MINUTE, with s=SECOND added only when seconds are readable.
h=5 m=10
